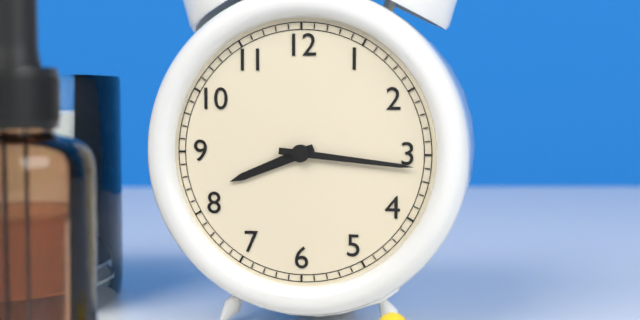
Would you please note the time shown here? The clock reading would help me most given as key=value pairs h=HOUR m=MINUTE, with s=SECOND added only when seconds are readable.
h=8 m=16
